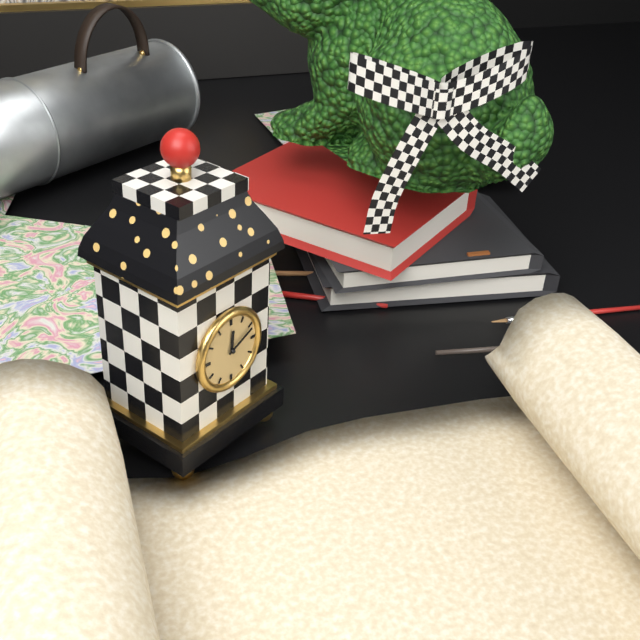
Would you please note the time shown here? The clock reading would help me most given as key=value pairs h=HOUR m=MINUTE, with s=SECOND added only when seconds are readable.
h=12 m=11
